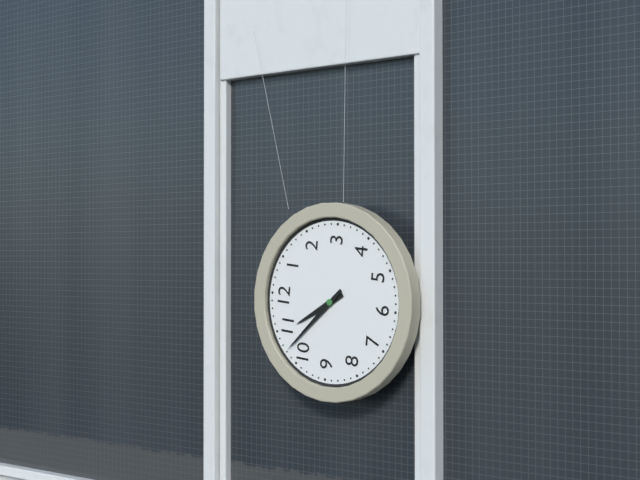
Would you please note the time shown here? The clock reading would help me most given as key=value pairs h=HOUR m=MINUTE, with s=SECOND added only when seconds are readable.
h=10 m=52
